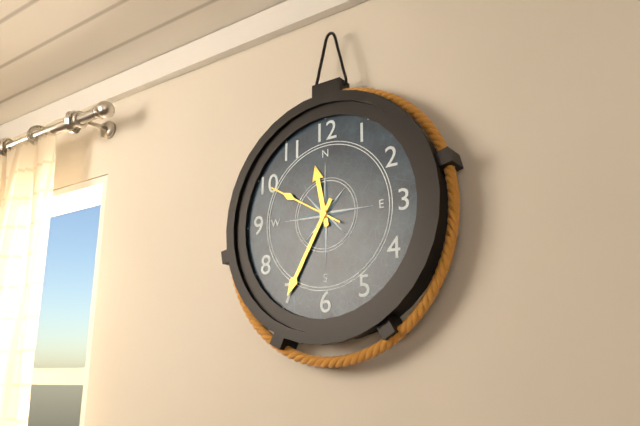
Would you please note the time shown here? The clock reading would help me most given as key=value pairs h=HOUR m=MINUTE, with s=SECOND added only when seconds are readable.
h=11 m=35 s=50
